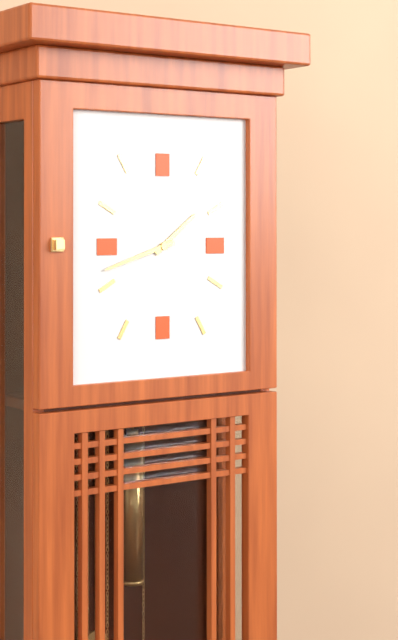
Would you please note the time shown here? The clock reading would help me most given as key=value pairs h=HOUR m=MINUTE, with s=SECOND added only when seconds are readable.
h=1 m=42
